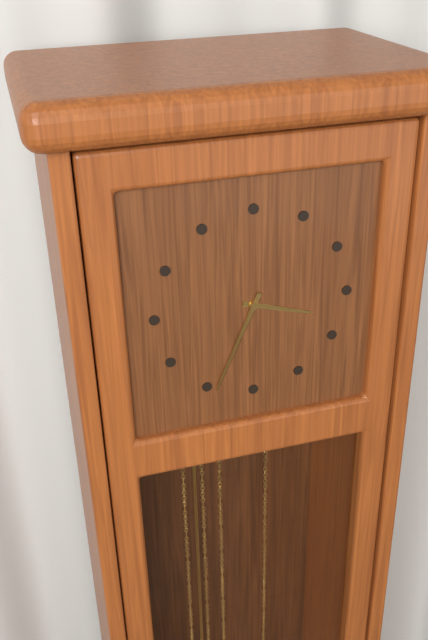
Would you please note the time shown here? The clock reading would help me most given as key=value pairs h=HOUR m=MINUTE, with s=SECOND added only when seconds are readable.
h=3 m=34
